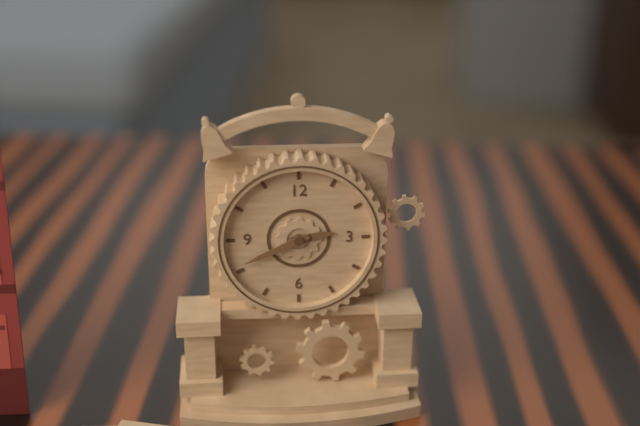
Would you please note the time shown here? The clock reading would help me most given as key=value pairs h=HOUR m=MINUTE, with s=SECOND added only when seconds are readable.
h=2 m=41
